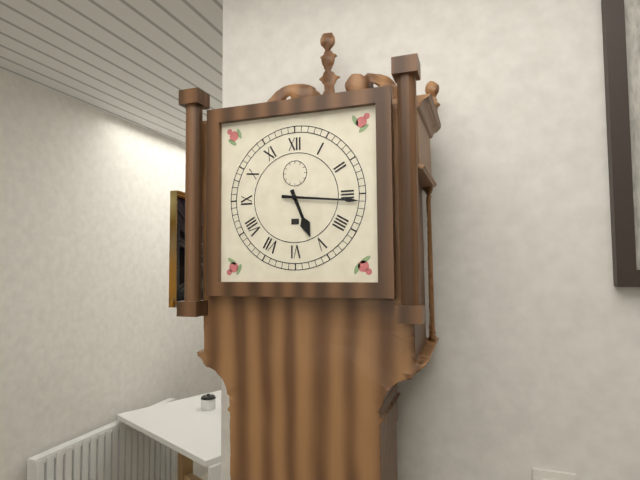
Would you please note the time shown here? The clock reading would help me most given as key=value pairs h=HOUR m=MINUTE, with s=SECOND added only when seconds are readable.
h=5 m=16
